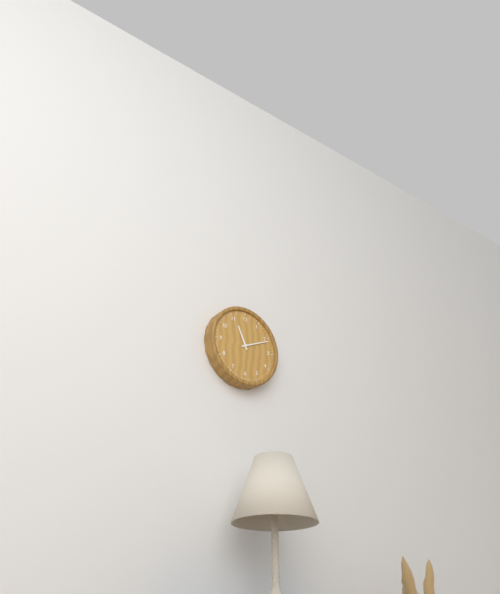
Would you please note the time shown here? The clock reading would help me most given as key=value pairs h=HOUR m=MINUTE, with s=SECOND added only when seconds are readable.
h=11 m=11
